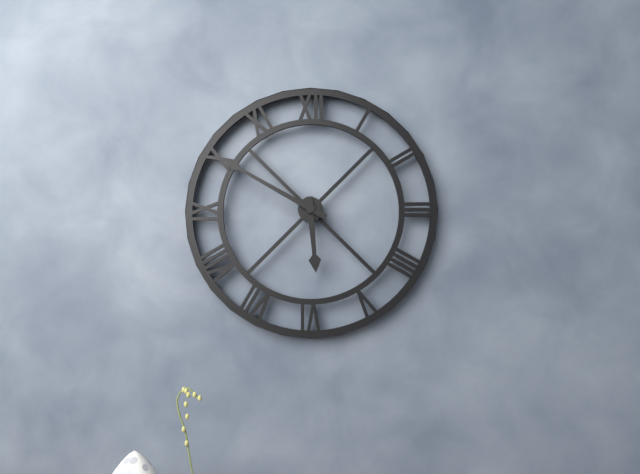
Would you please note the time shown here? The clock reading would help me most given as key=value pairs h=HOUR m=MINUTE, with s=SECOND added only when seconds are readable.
h=5 m=50
